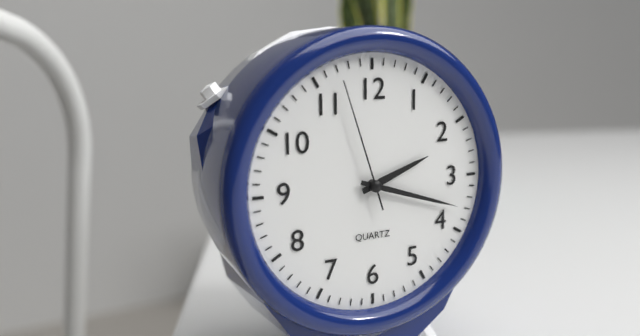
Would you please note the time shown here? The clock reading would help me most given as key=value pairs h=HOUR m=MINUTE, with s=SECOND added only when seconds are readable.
h=2 m=18 s=57
